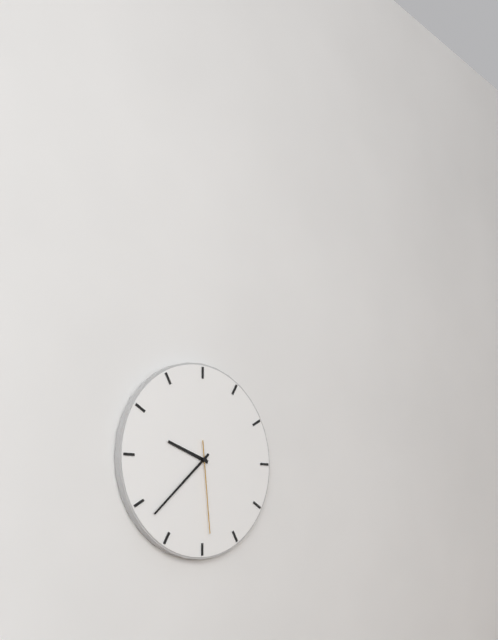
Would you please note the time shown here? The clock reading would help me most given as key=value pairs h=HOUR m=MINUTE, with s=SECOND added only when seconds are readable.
h=9 m=38 s=29
